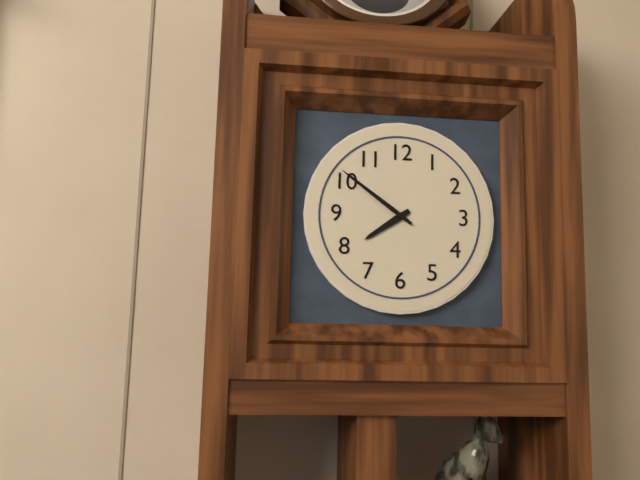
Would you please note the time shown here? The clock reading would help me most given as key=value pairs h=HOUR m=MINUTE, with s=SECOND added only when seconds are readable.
h=7 m=51
